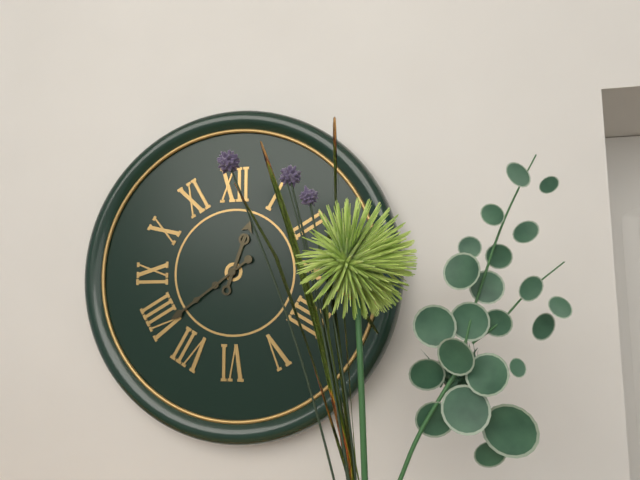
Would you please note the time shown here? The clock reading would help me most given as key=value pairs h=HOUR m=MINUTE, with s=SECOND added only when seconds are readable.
h=12 m=39
